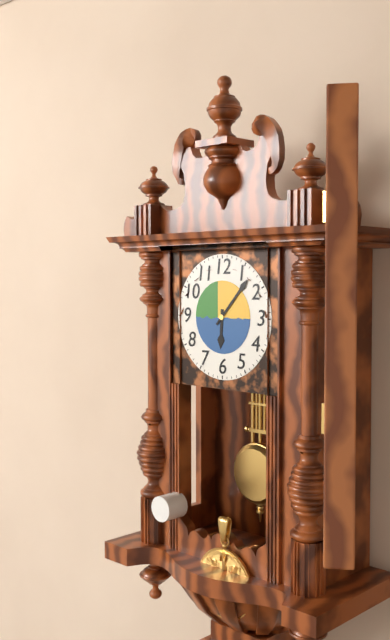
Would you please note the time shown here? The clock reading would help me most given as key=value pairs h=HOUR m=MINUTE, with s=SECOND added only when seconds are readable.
h=6 m=7
